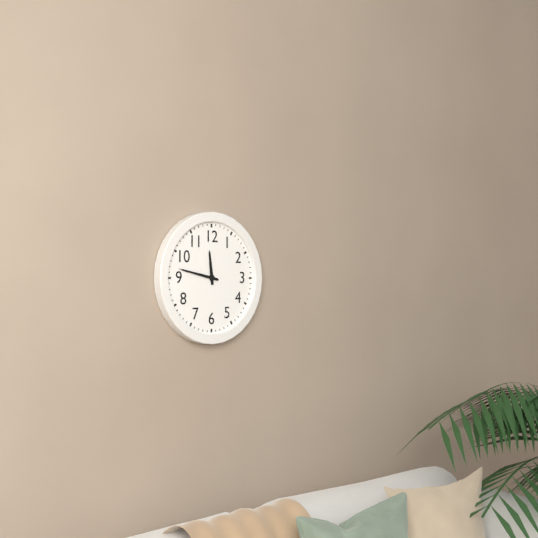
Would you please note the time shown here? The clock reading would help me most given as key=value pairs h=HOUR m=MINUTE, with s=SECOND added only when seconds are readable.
h=11 m=47
